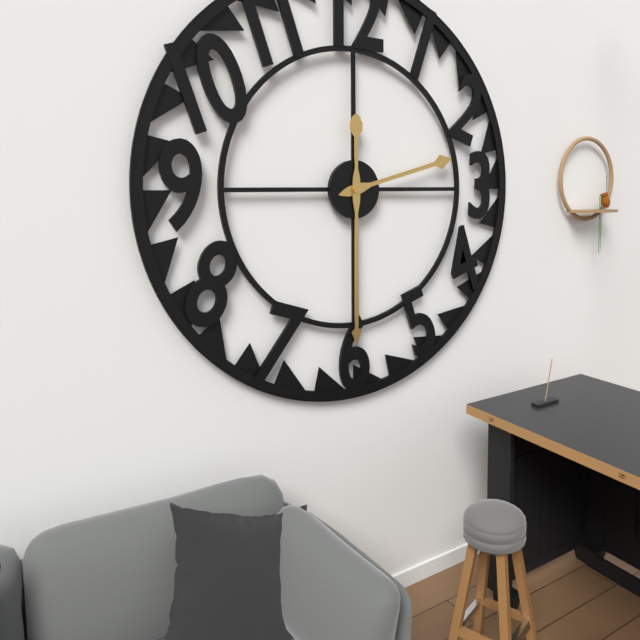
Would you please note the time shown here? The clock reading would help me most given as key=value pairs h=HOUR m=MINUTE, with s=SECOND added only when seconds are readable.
h=2 m=30
